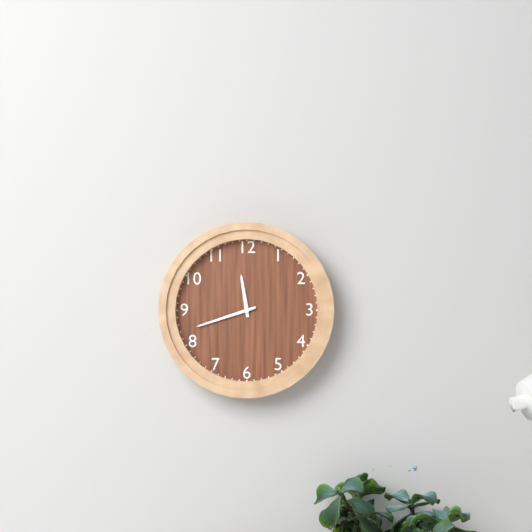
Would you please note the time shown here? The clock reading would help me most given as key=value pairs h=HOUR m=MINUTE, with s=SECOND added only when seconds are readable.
h=11 m=42
